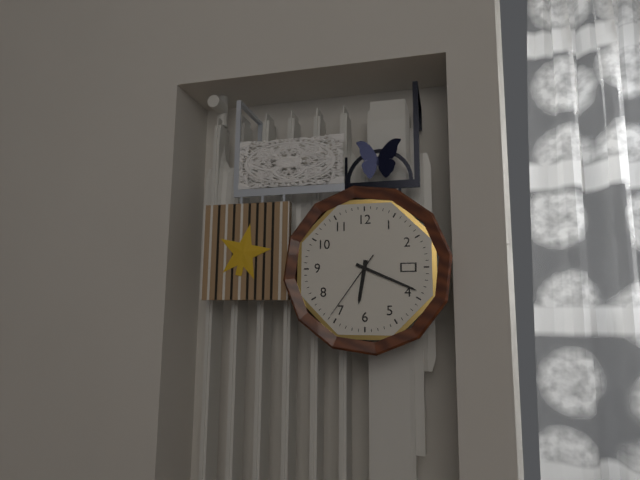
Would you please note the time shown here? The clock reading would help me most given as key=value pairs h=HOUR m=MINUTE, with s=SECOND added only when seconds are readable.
h=6 m=19 s=36
